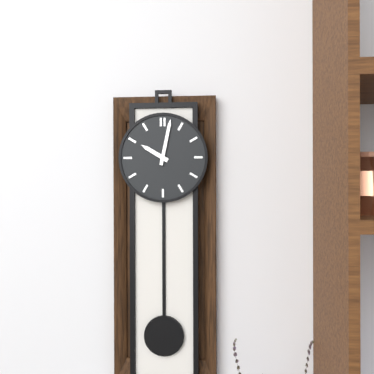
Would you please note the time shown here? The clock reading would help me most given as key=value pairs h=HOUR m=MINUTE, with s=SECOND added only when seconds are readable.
h=10 m=2
